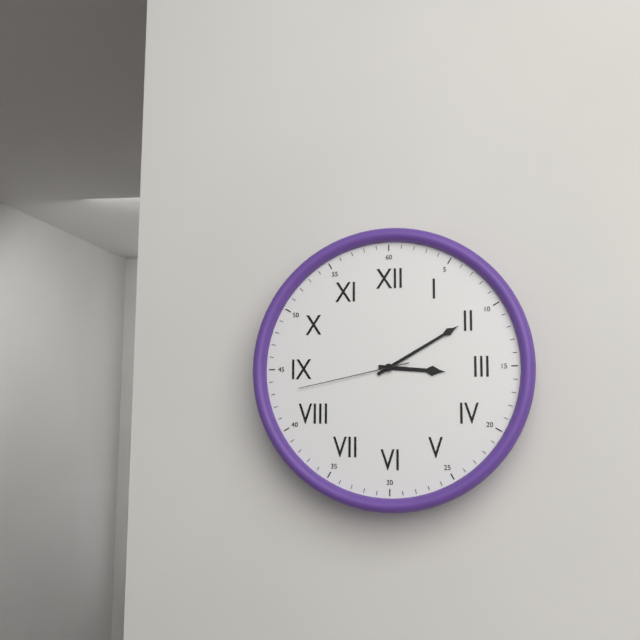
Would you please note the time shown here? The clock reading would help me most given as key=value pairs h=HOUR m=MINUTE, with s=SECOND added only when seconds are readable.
h=3 m=10 s=43
